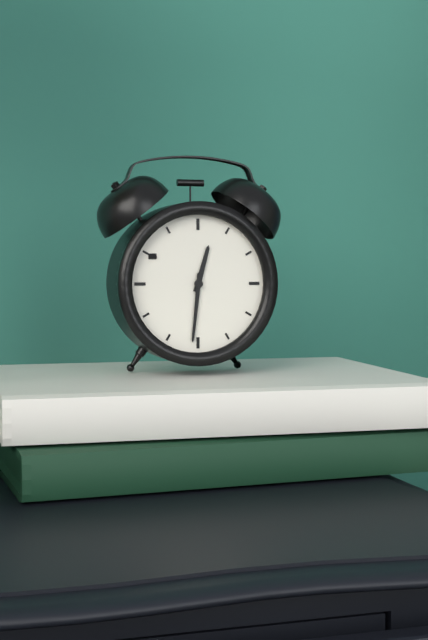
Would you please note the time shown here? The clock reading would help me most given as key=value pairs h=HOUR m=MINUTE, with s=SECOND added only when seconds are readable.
h=12 m=31
